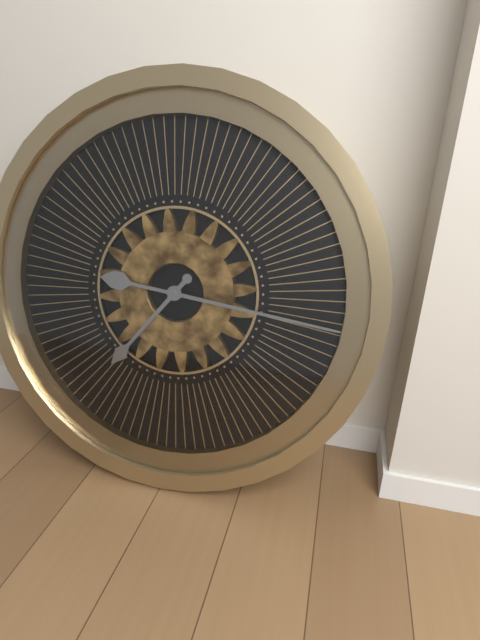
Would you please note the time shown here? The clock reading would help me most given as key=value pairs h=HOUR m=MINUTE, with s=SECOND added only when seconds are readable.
h=7 m=16
